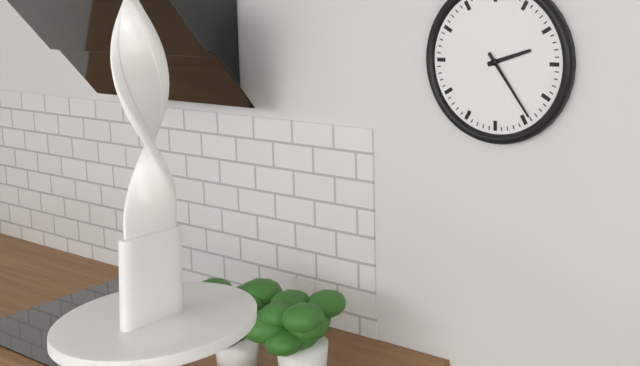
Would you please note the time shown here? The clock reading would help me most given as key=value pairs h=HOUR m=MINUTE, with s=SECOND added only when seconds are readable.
h=2 m=24
